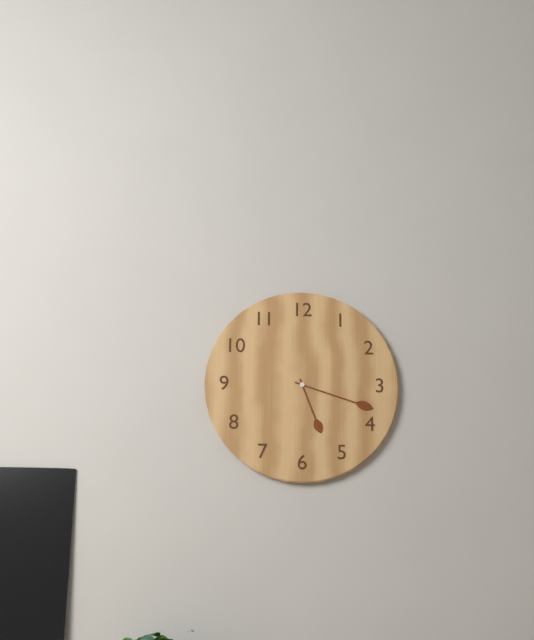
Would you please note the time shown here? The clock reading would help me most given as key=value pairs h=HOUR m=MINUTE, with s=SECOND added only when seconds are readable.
h=5 m=18
